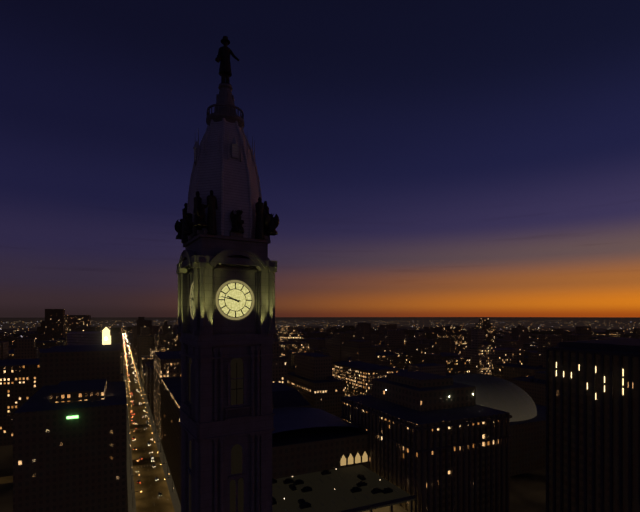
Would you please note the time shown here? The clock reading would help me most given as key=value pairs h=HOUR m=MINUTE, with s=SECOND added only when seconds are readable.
h=9 m=47
